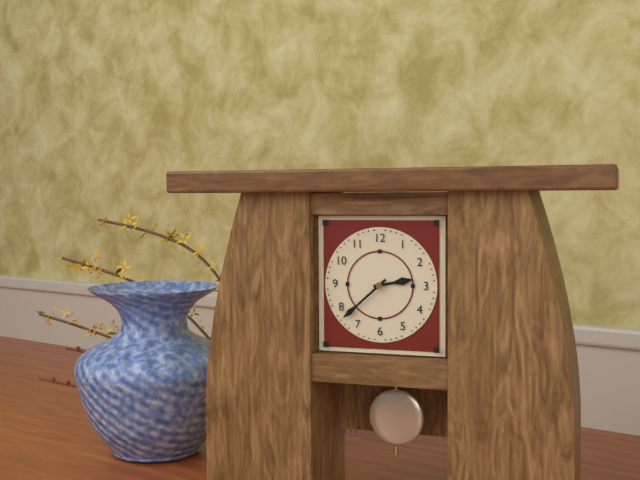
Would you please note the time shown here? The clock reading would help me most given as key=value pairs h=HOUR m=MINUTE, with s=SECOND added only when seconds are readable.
h=2 m=38
